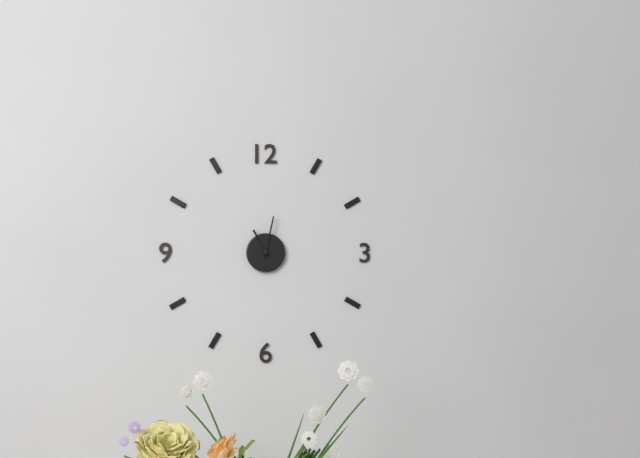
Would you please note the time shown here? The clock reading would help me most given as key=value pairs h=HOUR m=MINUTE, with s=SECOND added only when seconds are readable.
h=11 m=2
